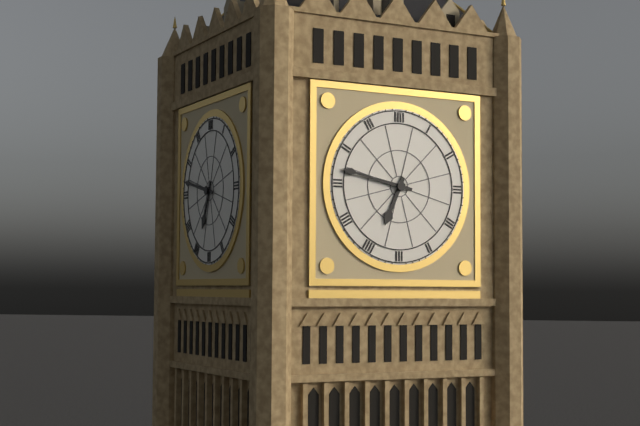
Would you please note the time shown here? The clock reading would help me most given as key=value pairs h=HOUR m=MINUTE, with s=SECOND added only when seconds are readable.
h=6 m=47
